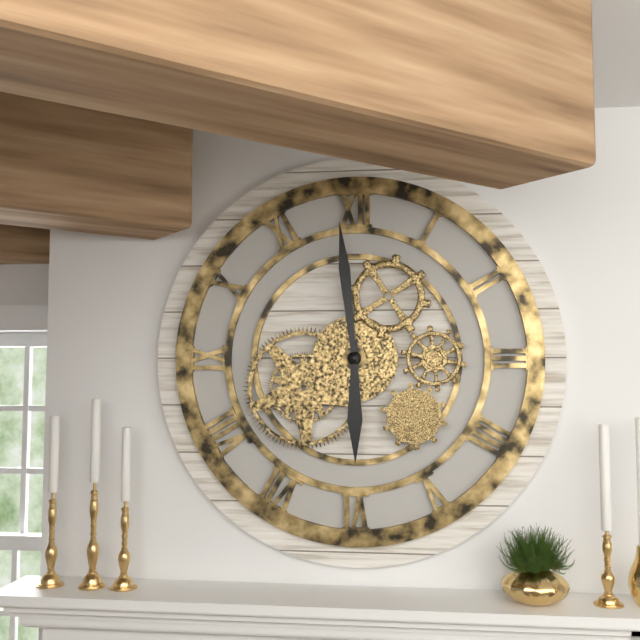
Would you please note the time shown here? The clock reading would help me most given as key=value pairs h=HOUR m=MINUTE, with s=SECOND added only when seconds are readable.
h=5 m=59
